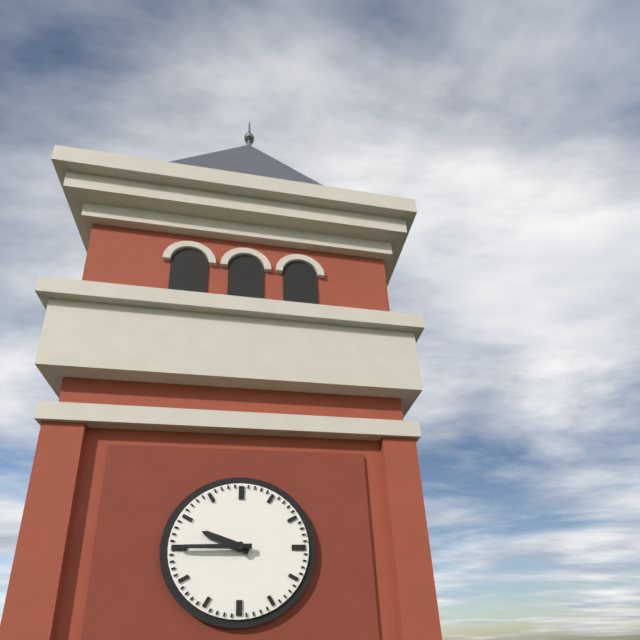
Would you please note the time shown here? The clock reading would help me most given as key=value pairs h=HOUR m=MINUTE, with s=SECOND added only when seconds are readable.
h=9 m=45
